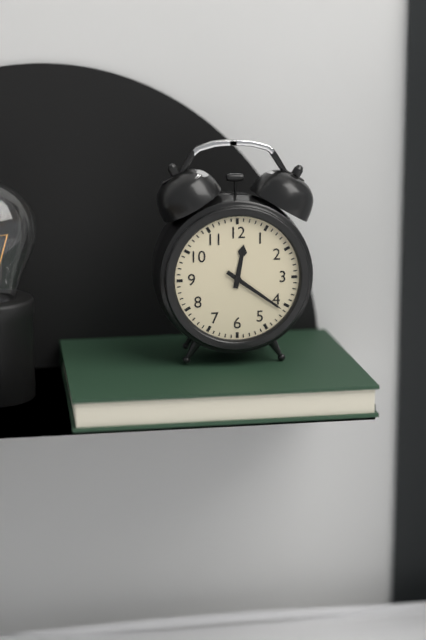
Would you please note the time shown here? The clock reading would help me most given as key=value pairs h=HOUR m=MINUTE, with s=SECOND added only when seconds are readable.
h=12 m=21
